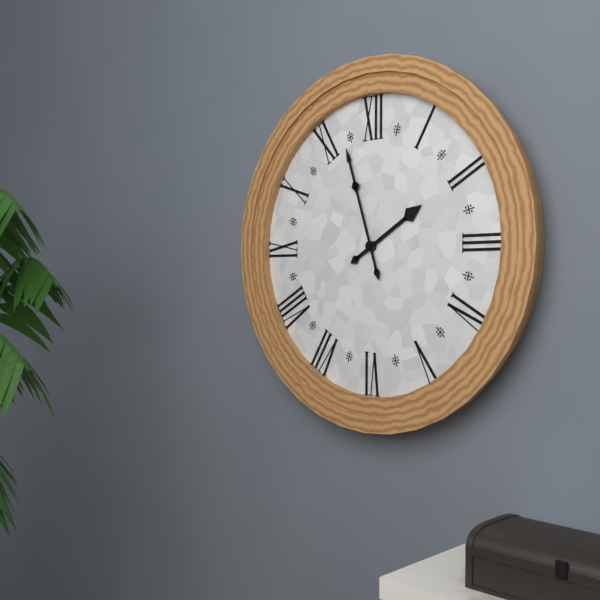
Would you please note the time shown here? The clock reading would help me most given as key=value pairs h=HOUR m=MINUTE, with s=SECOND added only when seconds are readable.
h=1 m=57
